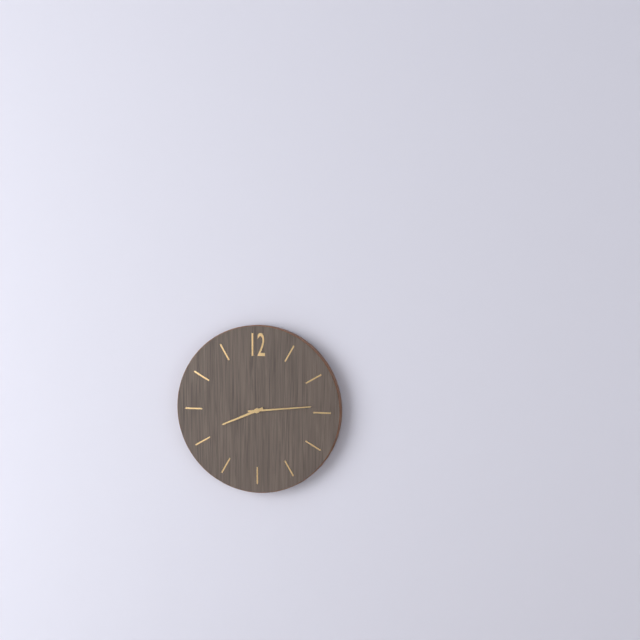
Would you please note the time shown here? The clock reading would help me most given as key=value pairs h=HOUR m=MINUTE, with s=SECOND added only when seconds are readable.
h=8 m=14
